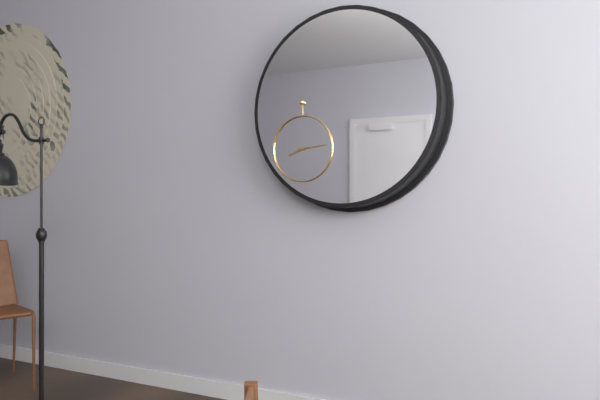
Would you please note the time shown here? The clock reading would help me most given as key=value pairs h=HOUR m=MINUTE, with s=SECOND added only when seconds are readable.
h=8 m=14
